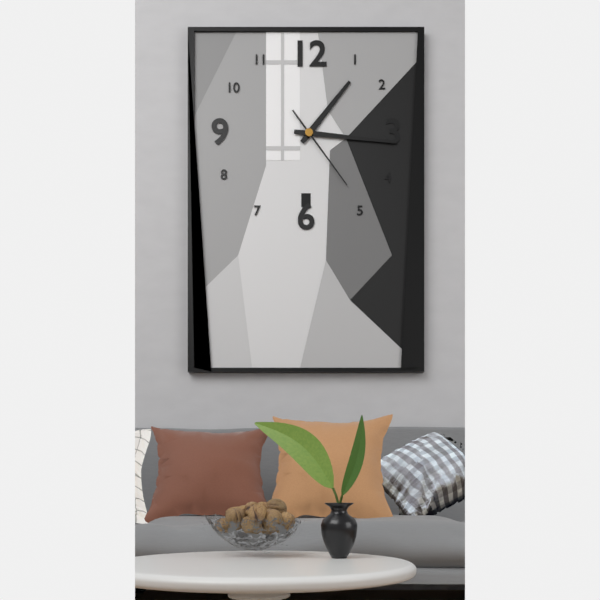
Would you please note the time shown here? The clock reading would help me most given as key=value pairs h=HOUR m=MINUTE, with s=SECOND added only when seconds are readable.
h=1 m=16 s=24
